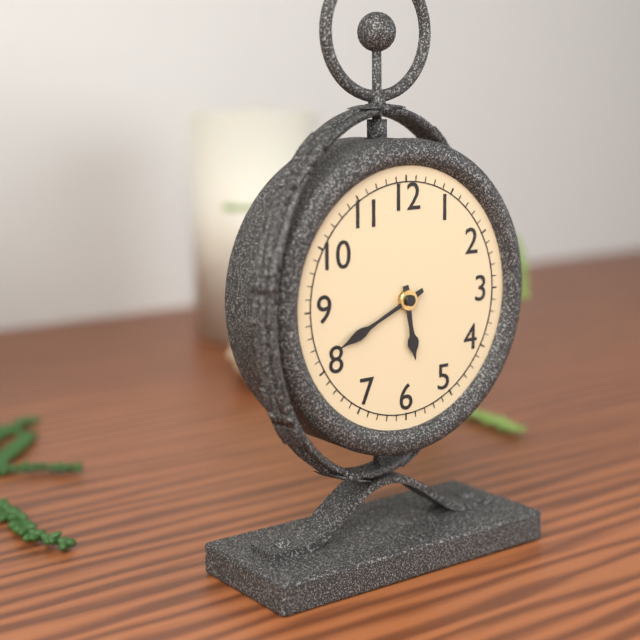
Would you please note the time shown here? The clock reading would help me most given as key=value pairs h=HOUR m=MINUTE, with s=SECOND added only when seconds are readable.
h=5 m=41
